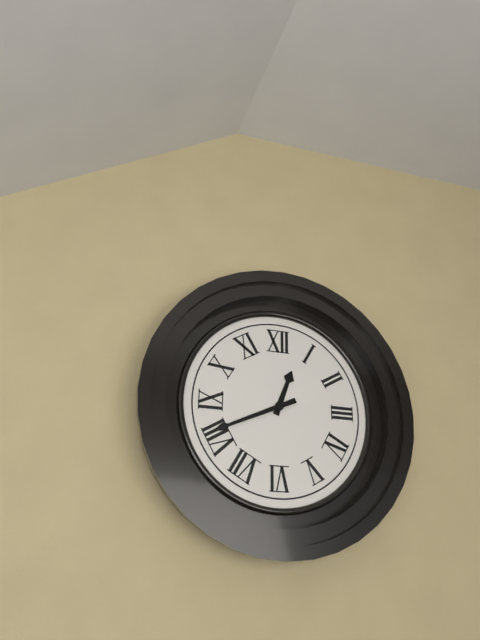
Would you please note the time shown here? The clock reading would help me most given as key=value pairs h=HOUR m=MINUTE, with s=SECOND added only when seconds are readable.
h=12 m=41
